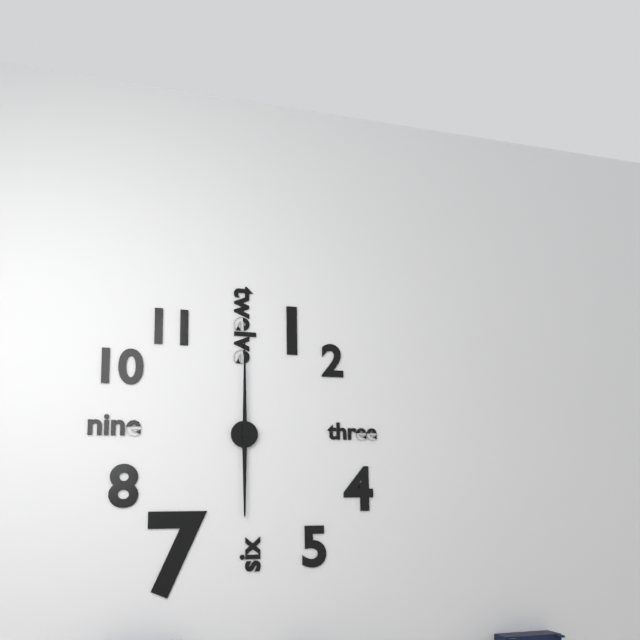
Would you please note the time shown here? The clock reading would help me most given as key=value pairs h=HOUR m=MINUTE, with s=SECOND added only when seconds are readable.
h=6 m=0
